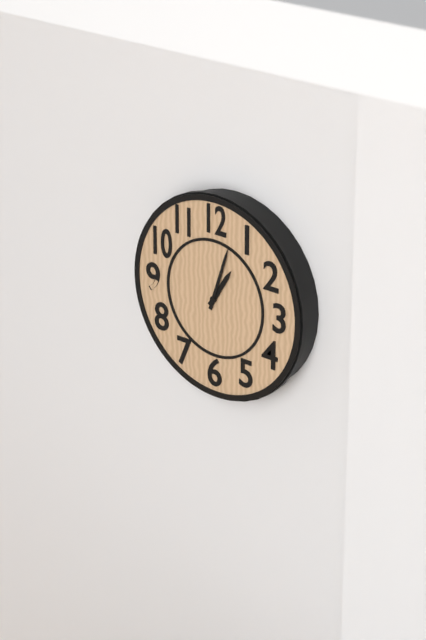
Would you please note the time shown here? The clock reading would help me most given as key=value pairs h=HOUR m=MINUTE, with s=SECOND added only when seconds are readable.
h=1 m=3
